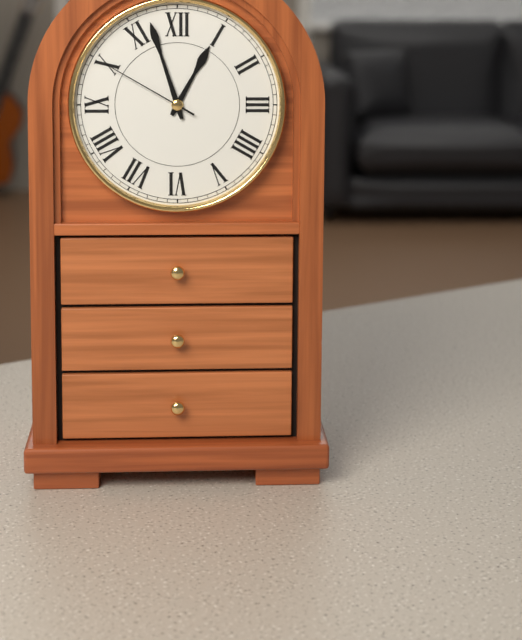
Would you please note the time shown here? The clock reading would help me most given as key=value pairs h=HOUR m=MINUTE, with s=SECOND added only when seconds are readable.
h=12 m=57 s=50
